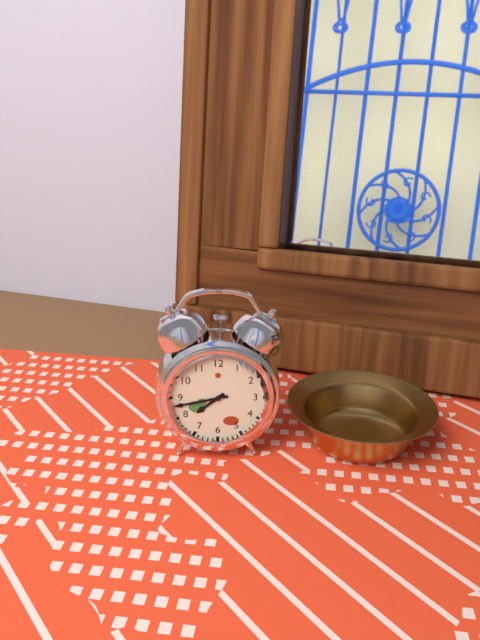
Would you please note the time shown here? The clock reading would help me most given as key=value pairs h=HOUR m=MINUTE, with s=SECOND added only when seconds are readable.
h=7 m=43
